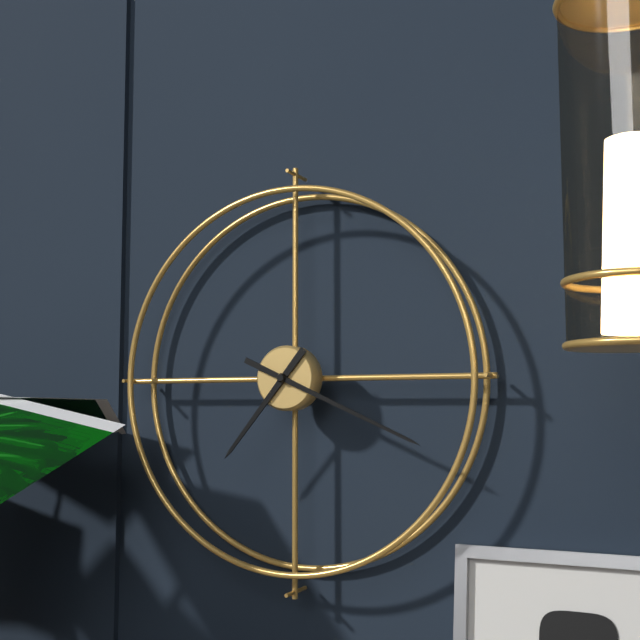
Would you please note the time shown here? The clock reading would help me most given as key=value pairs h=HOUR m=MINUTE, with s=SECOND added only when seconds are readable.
h=7 m=19
